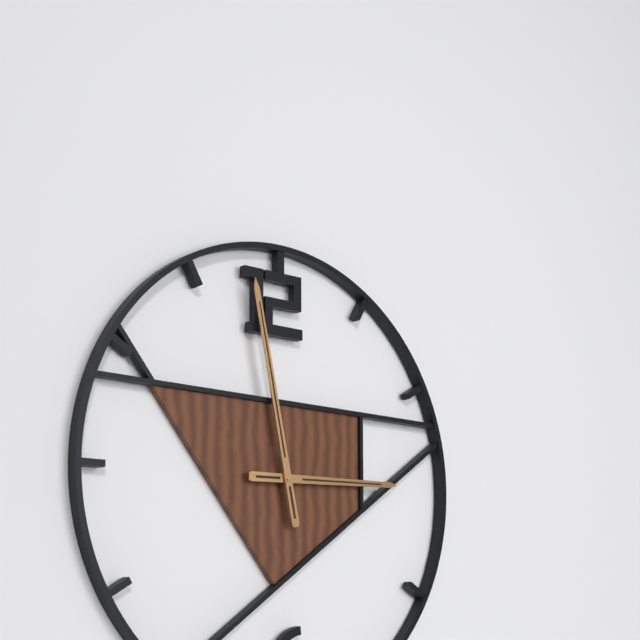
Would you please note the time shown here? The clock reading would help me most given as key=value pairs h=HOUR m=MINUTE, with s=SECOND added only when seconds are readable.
h=2 m=58
